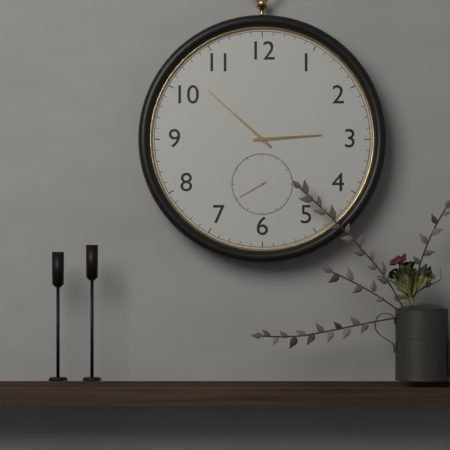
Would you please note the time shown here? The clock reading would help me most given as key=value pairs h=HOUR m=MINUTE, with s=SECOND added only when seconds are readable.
h=2 m=52
